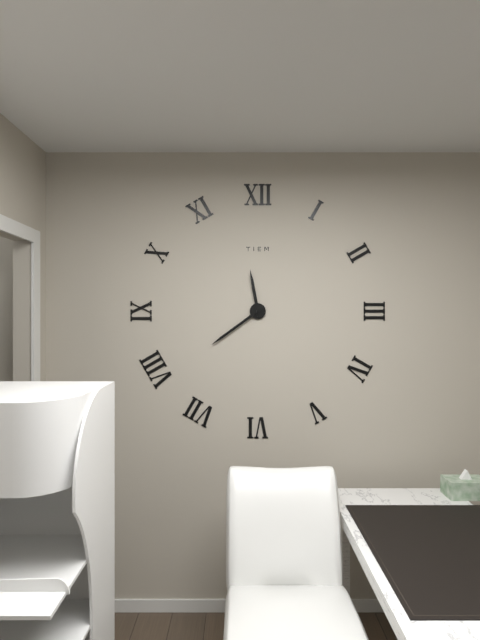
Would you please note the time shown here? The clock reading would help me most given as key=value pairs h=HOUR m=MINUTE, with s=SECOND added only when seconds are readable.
h=11 m=39
